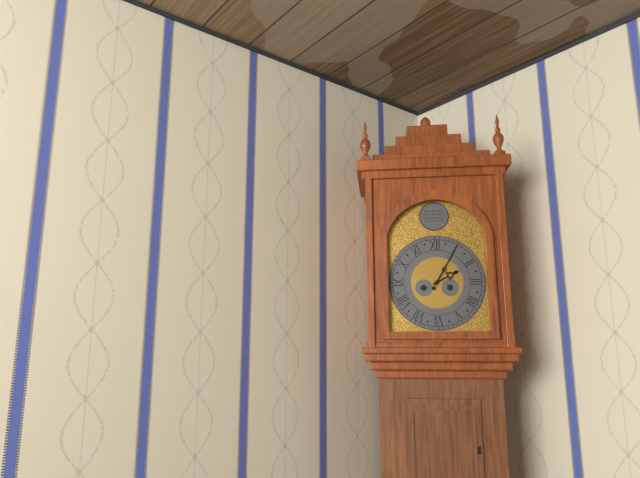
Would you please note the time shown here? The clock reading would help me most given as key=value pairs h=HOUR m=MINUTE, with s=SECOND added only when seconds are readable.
h=2 m=5
